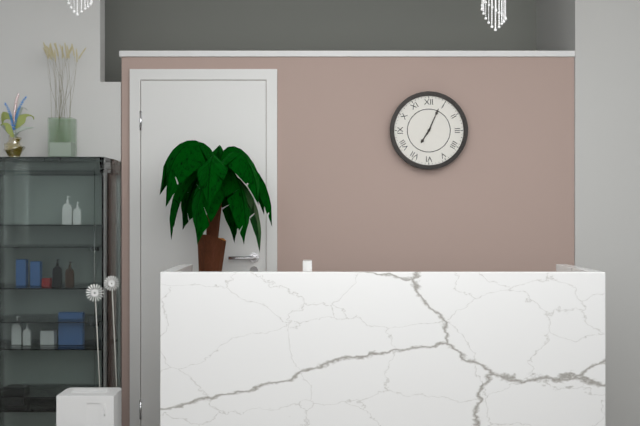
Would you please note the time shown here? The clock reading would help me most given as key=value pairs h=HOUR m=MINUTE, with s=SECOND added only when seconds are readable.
h=7 m=4
